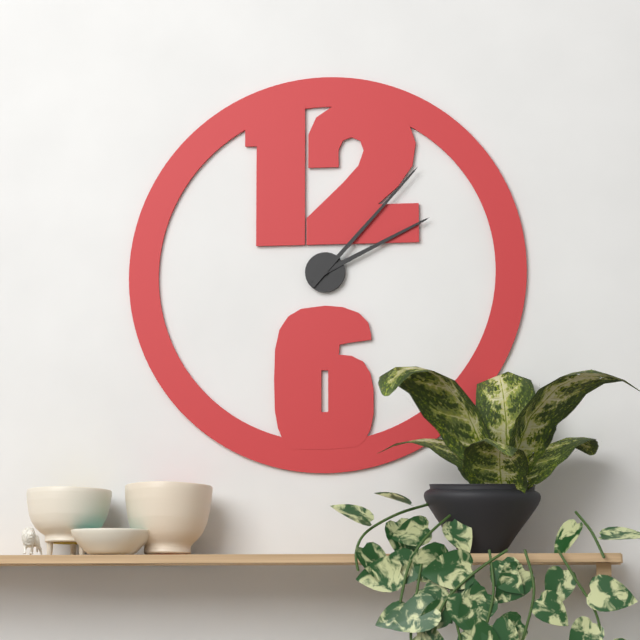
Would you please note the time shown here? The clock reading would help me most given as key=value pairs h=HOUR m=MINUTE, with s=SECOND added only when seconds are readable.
h=2 m=7
